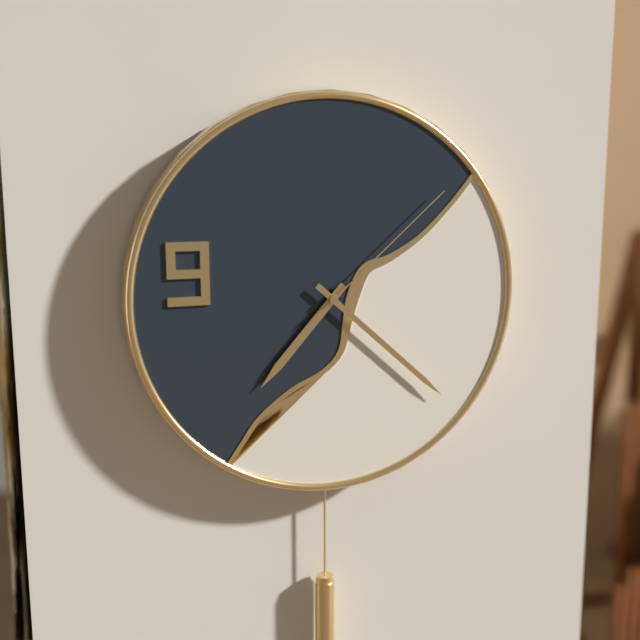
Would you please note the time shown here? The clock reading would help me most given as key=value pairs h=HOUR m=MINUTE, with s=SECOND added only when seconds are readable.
h=7 m=22 s=8
